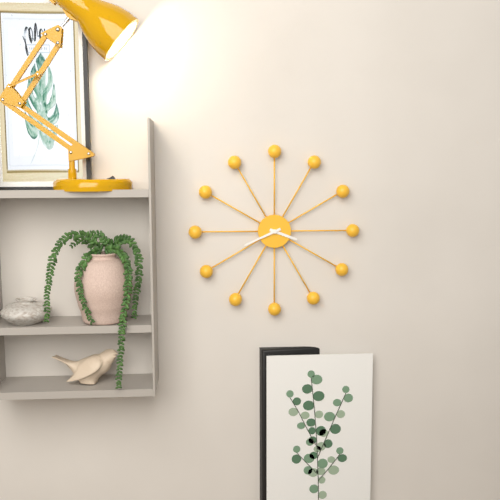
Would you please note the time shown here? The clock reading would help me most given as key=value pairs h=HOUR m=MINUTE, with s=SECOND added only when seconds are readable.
h=3 m=41
